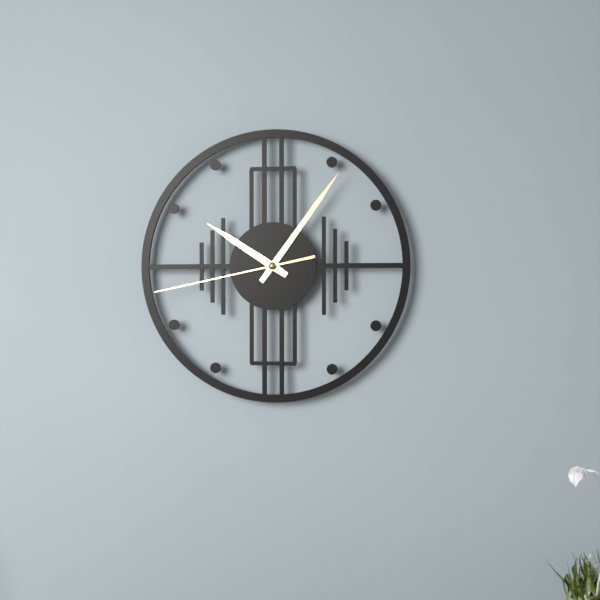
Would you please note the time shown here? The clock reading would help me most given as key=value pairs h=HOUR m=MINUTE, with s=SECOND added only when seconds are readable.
h=10 m=6 s=43
